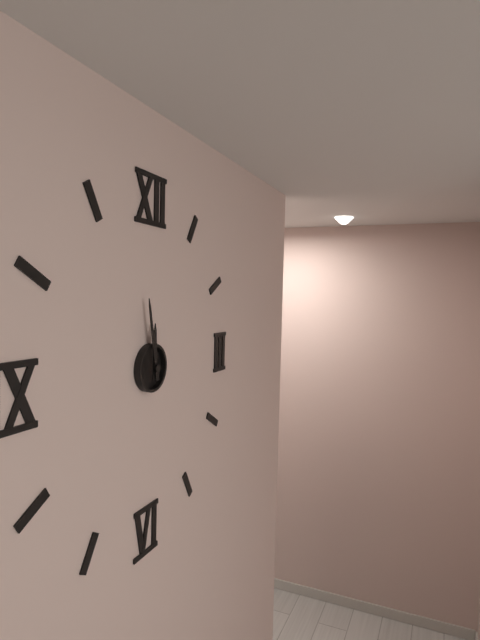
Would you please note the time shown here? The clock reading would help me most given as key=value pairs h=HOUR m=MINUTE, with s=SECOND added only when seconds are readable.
h=11 m=58
